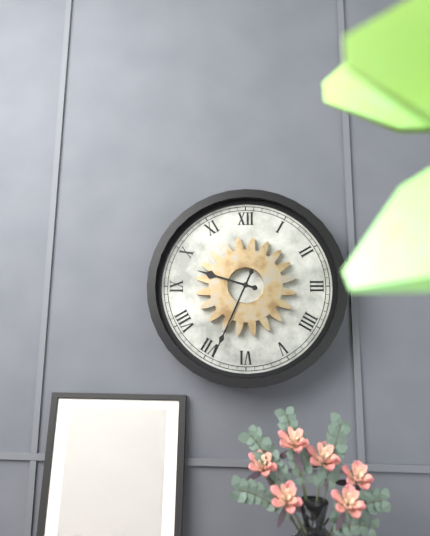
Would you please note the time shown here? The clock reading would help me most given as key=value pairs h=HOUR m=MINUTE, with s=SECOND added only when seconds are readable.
h=9 m=34
